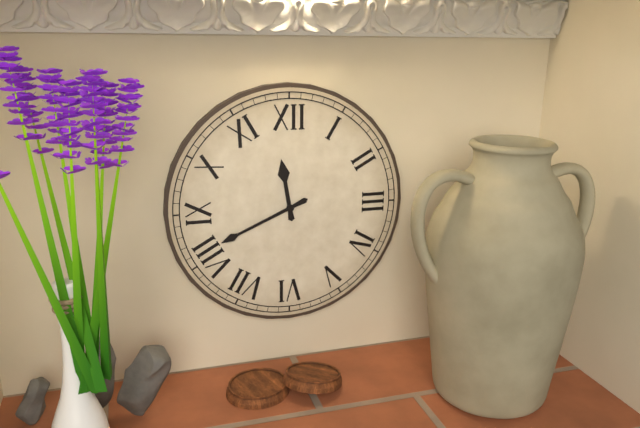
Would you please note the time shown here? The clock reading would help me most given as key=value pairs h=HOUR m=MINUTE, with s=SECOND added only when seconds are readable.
h=11 m=41
